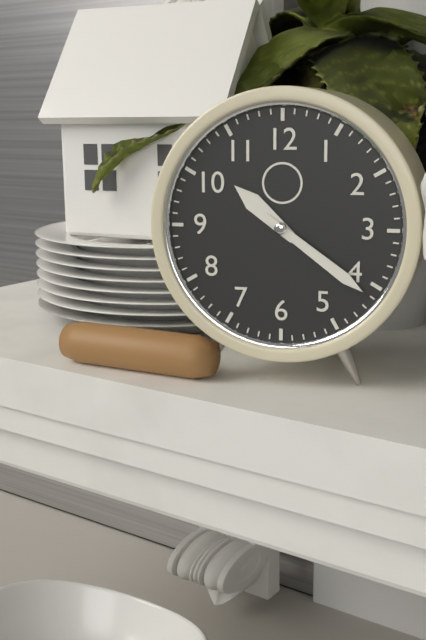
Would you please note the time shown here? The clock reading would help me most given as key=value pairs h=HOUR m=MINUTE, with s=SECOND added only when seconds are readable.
h=10 m=21
